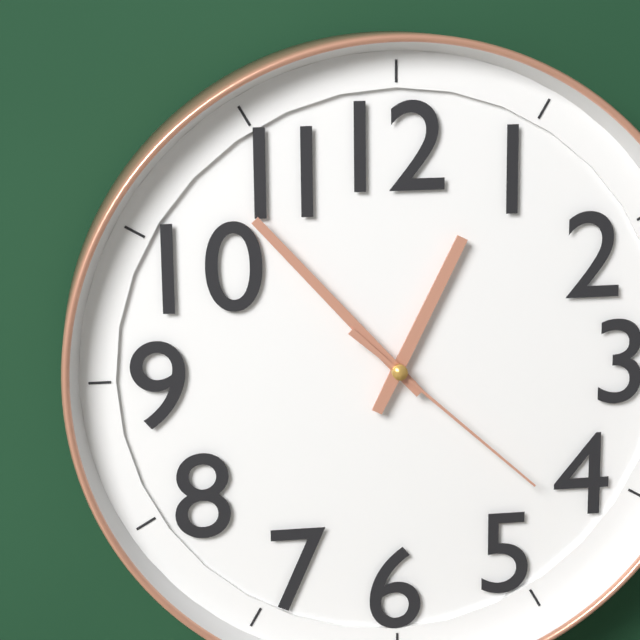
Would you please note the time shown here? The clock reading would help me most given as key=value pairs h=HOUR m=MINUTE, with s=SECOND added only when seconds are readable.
h=12 m=53 s=22
